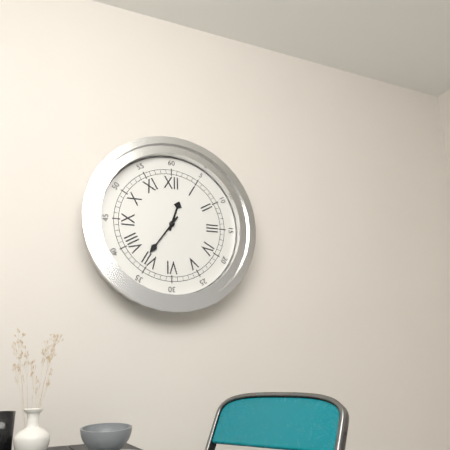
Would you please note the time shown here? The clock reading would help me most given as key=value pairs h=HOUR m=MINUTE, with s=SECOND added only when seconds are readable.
h=12 m=36
